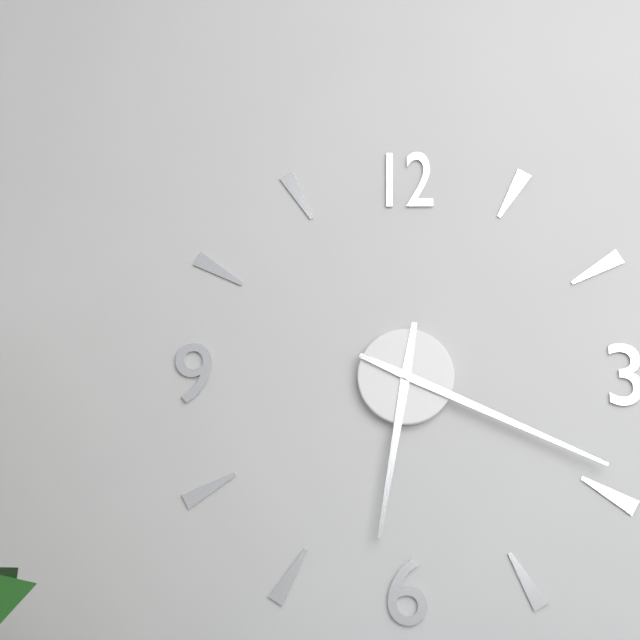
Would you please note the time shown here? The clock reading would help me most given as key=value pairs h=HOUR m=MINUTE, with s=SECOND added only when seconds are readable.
h=6 m=19
